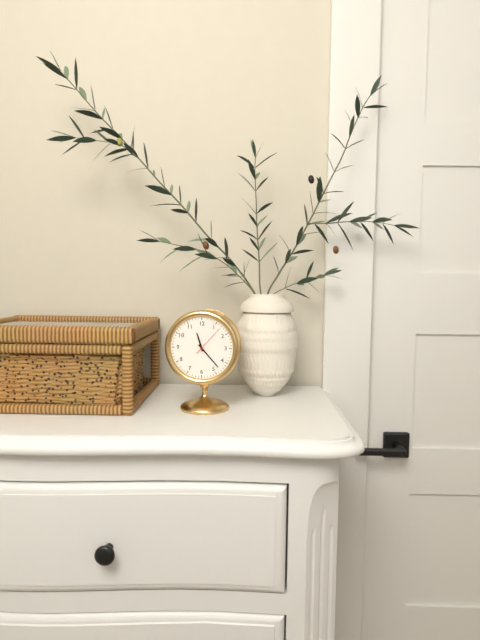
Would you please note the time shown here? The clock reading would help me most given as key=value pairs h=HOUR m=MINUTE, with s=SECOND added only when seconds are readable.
h=11 m=23
